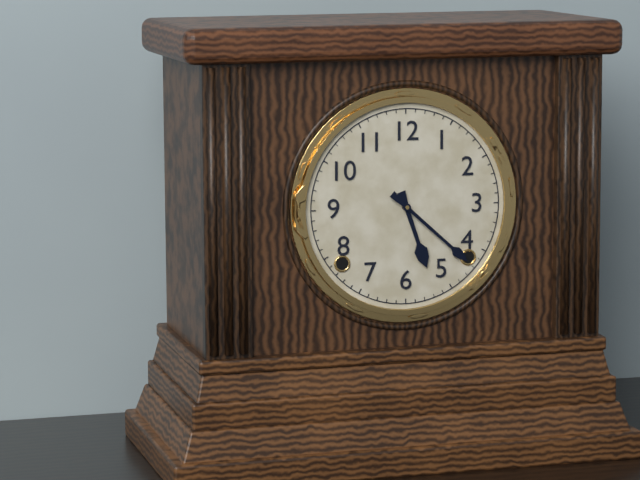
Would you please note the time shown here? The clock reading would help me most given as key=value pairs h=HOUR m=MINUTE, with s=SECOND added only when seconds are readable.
h=5 m=22
